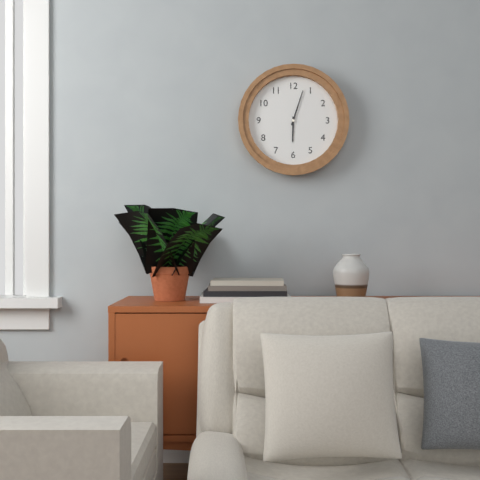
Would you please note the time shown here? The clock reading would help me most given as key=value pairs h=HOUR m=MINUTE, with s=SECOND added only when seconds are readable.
h=6 m=3
